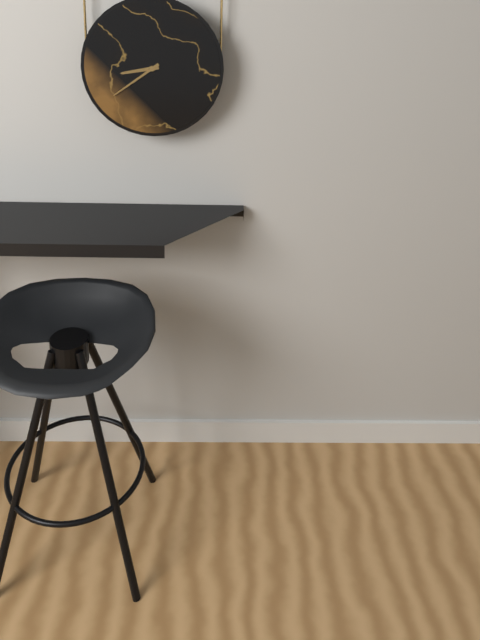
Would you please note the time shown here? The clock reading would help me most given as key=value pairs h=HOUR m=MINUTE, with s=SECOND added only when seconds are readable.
h=8 m=39
